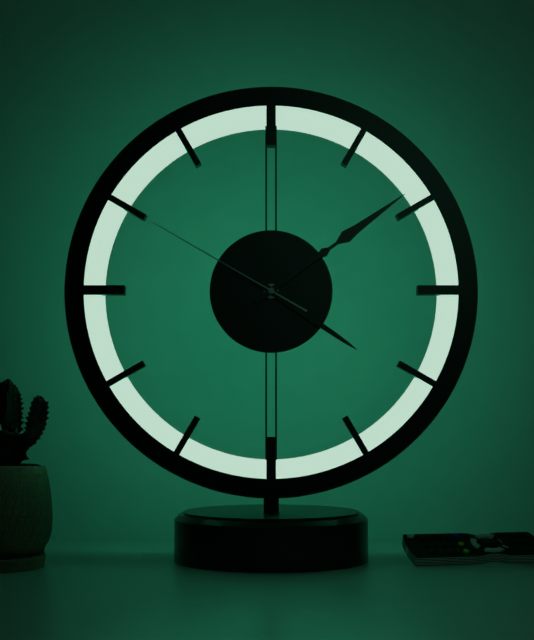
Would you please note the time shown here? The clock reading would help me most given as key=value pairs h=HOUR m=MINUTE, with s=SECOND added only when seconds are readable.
h=4 m=9 s=50
